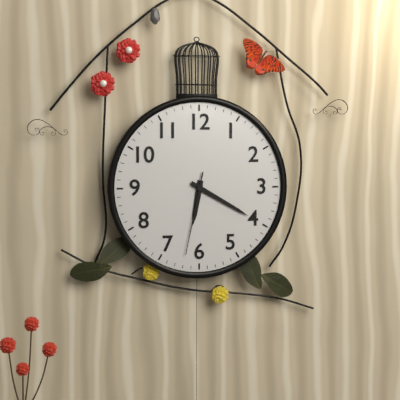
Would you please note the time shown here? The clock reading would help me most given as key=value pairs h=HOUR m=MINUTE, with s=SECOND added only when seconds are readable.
h=6 m=20 s=32
